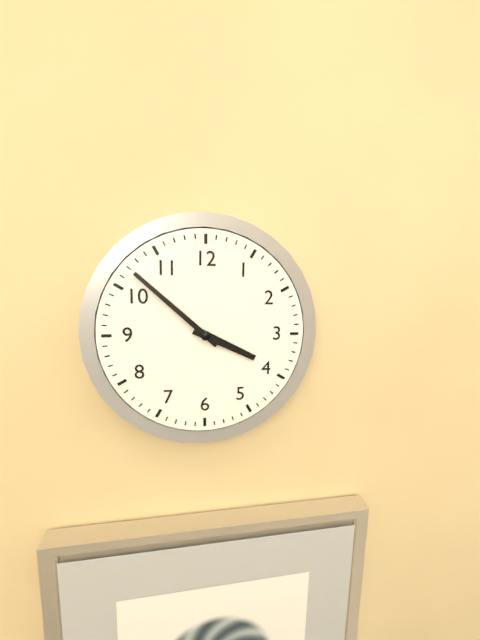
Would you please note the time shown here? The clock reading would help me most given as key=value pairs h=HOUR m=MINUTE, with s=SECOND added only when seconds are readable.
h=3 m=52
